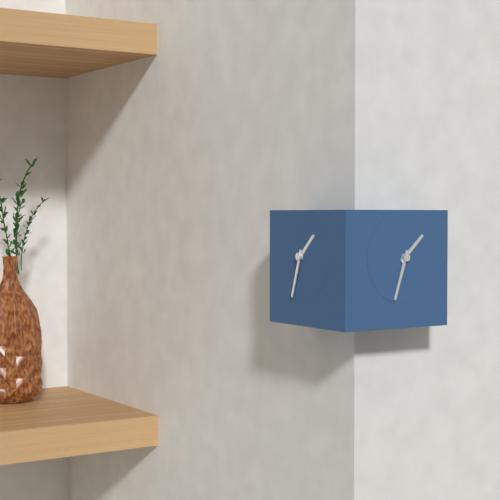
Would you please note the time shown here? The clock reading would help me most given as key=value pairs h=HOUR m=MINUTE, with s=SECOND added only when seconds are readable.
h=1 m=33
